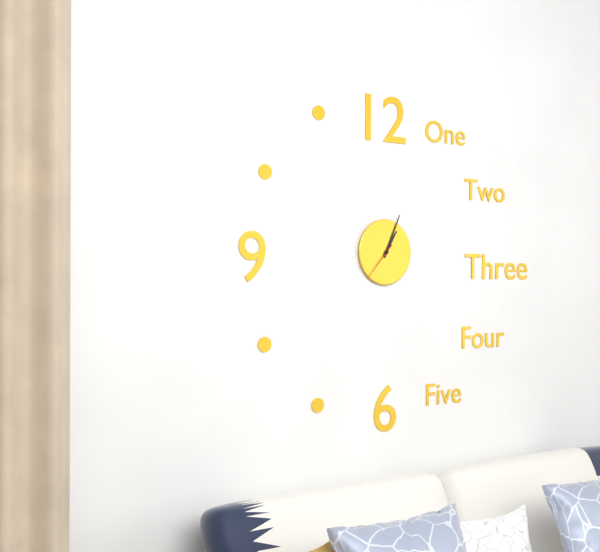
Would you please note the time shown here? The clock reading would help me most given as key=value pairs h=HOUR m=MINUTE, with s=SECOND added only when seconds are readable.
h=1 m=4
